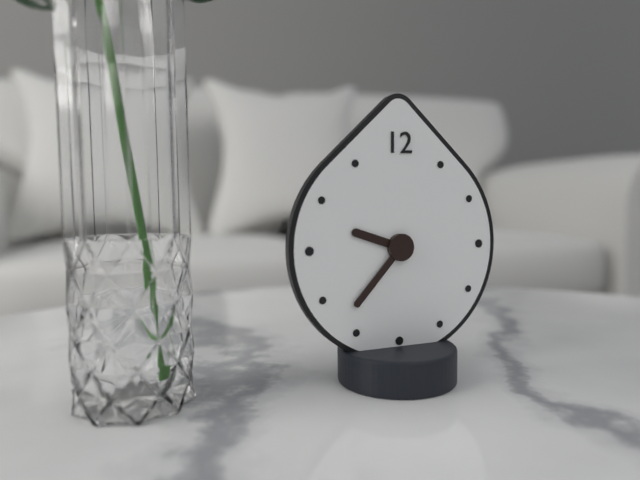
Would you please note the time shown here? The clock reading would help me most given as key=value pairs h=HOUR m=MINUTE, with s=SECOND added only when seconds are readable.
h=9 m=37
